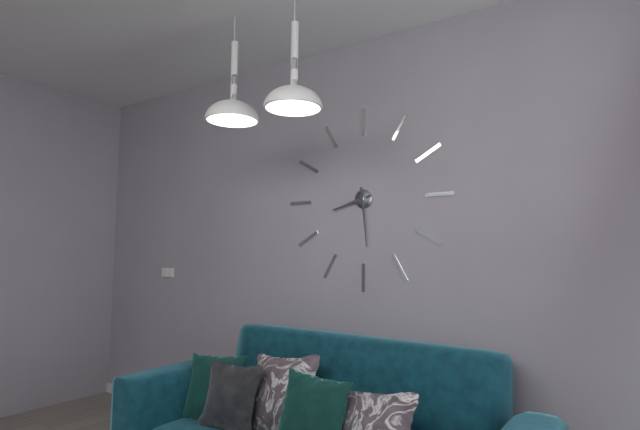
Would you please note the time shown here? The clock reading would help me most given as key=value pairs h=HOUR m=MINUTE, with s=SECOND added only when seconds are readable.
h=8 m=29
